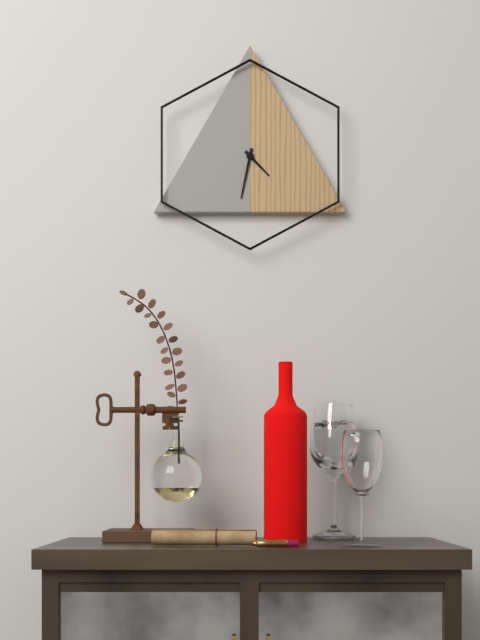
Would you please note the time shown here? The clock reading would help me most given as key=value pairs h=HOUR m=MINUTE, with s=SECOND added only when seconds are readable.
h=4 m=32
